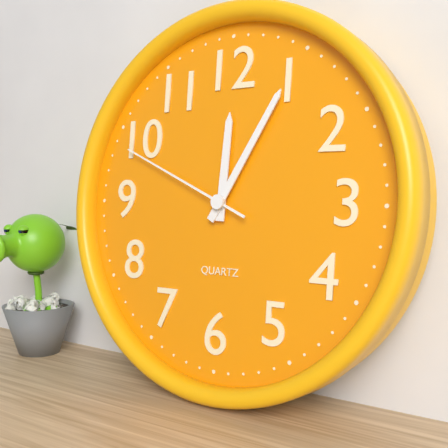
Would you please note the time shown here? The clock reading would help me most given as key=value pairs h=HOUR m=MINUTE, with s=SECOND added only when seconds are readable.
h=12 m=5 s=49
